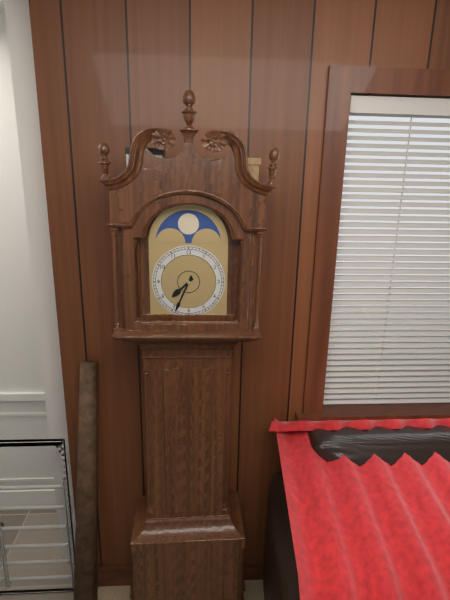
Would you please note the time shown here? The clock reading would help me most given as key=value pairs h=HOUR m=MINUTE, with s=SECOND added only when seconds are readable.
h=7 m=34
